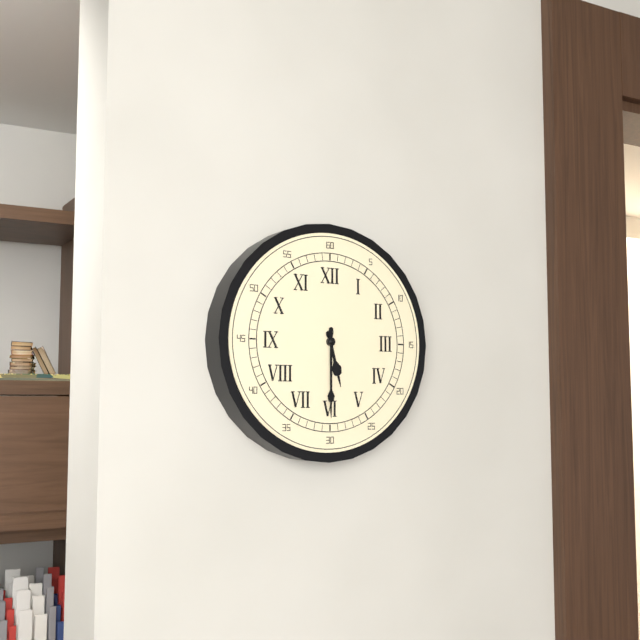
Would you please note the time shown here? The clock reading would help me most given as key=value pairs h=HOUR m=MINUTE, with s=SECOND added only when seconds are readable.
h=5 m=30
